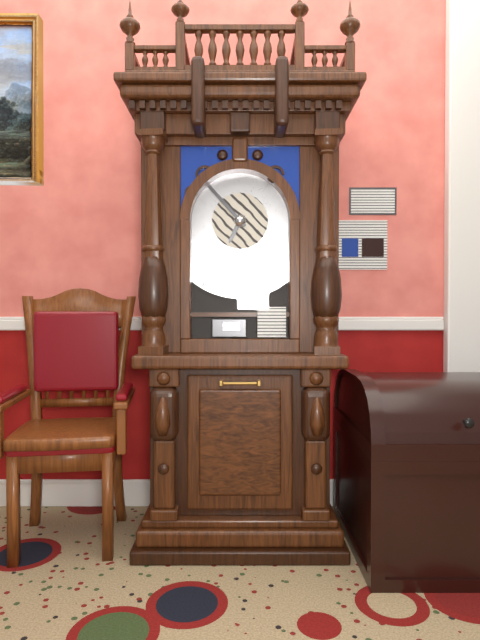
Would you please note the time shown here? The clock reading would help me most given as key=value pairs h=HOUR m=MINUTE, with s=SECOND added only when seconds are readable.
h=6 m=53
